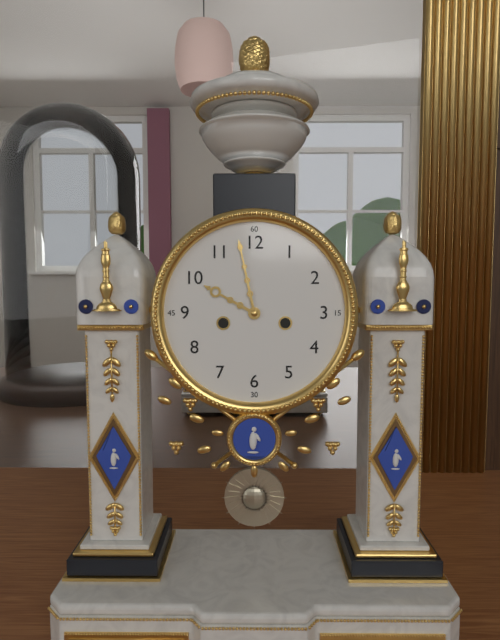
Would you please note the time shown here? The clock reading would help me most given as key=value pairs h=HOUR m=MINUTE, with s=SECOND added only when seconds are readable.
h=9 m=58
